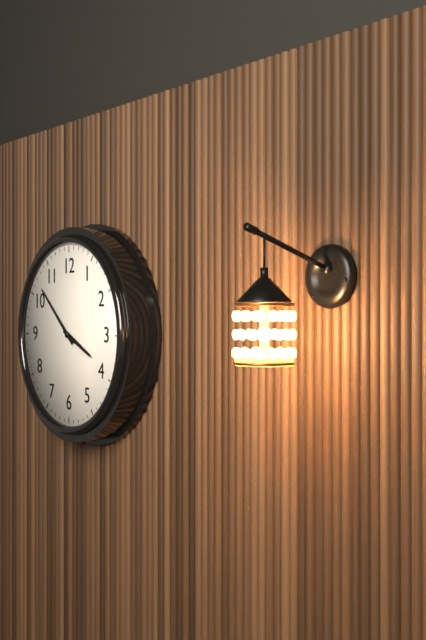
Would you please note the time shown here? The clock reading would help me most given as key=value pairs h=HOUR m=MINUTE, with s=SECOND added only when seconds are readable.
h=3 m=52
